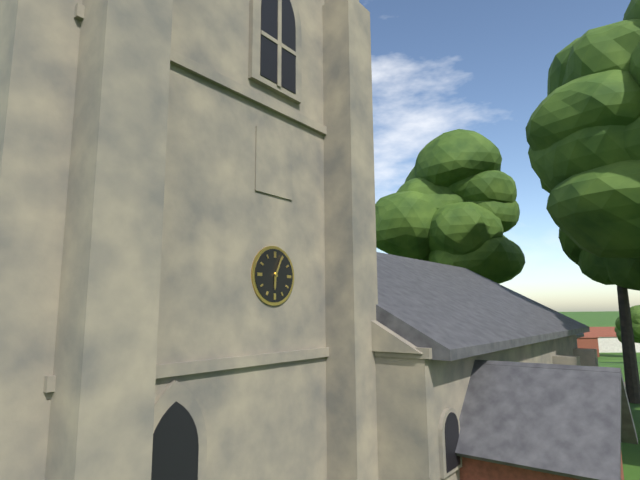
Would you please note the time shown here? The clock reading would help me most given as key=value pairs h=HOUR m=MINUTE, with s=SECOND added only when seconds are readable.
h=6 m=4
